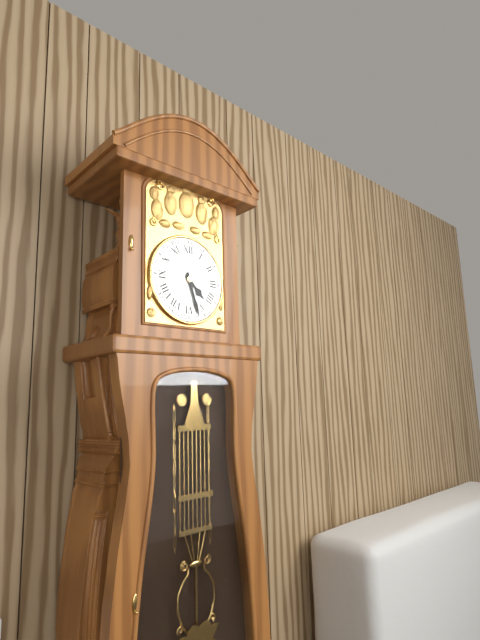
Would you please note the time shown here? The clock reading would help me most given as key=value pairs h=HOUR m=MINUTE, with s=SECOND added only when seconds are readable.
h=4 m=27
